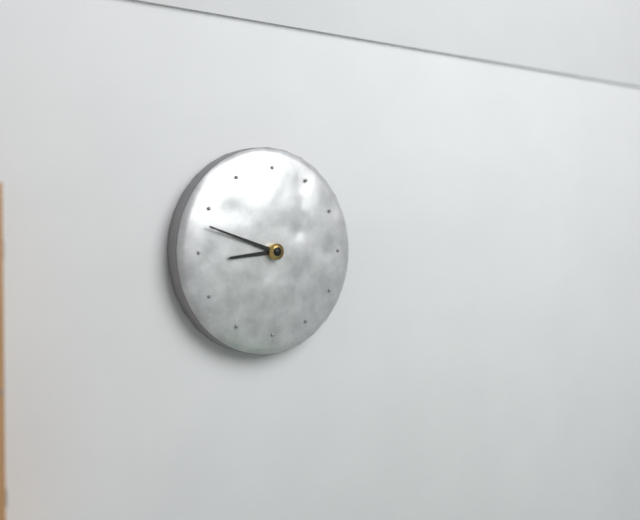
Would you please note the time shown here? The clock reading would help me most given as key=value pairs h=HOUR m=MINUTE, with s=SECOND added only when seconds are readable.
h=8 m=48
